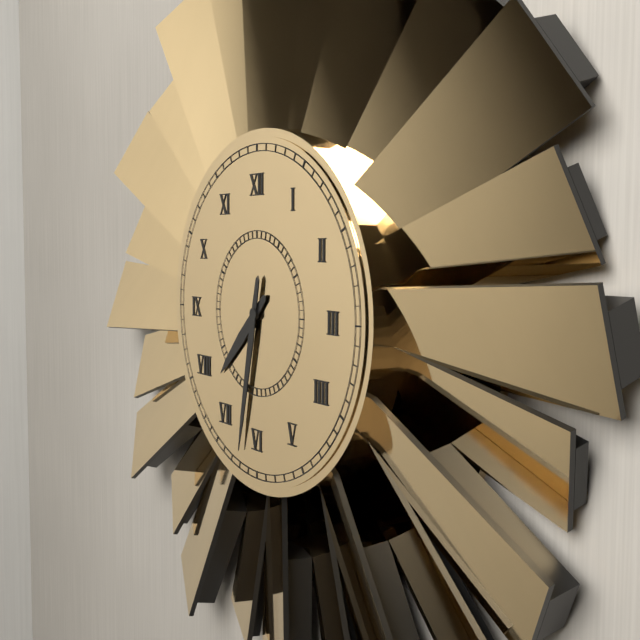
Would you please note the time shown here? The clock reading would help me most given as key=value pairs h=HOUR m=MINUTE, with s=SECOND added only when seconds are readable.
h=7 m=32
